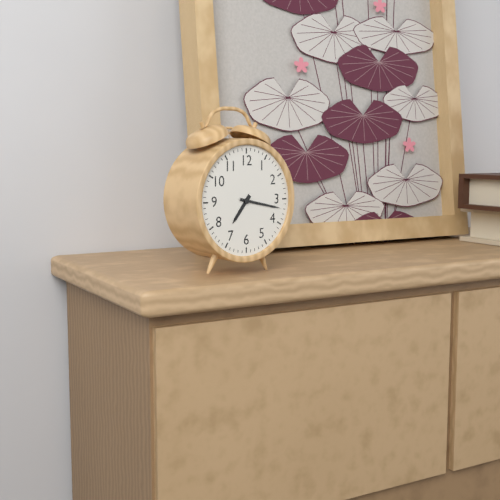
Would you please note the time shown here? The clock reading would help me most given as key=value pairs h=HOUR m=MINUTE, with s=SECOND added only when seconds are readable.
h=7 m=17
